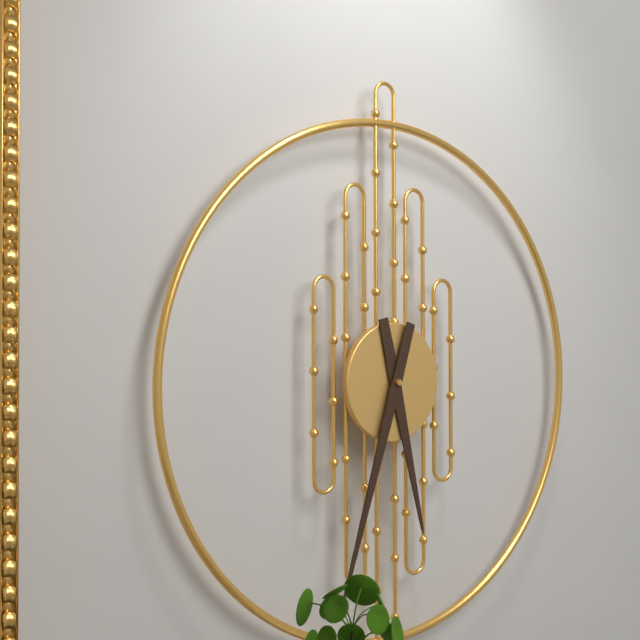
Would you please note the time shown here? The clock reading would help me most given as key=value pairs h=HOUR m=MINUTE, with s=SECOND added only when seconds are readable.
h=5 m=33
